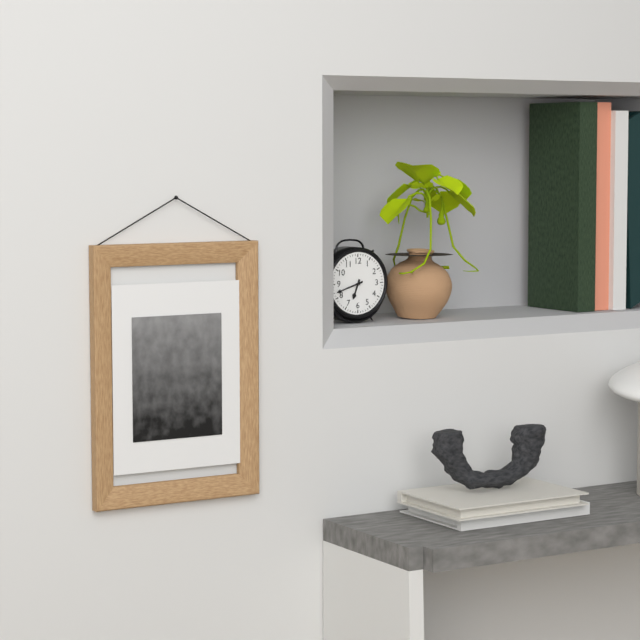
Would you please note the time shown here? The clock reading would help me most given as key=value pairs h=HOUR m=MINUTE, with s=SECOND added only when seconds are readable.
h=6 m=42
